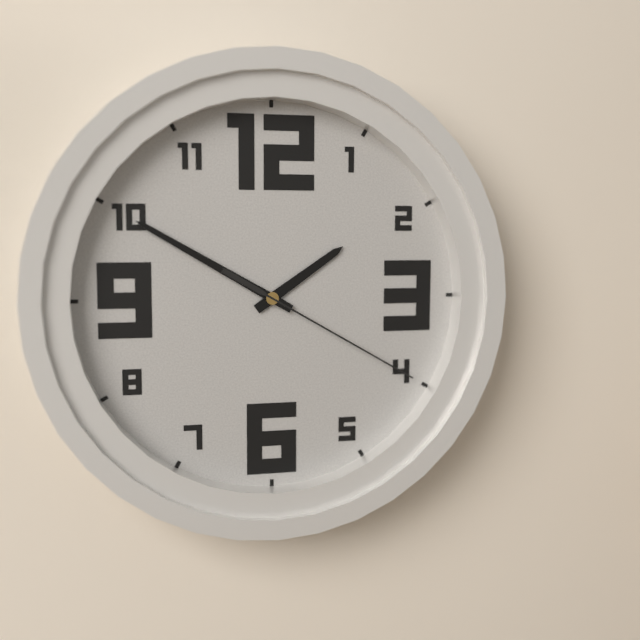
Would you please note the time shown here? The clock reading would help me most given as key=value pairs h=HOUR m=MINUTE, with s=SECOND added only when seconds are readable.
h=1 m=50 s=20
